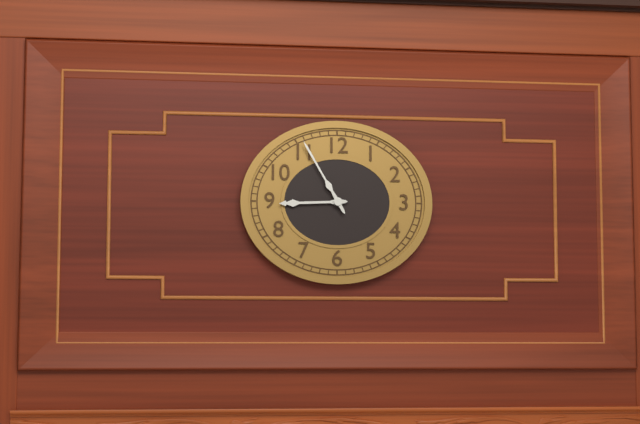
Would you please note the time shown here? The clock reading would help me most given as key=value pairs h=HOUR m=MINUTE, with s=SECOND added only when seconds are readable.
h=8 m=55
